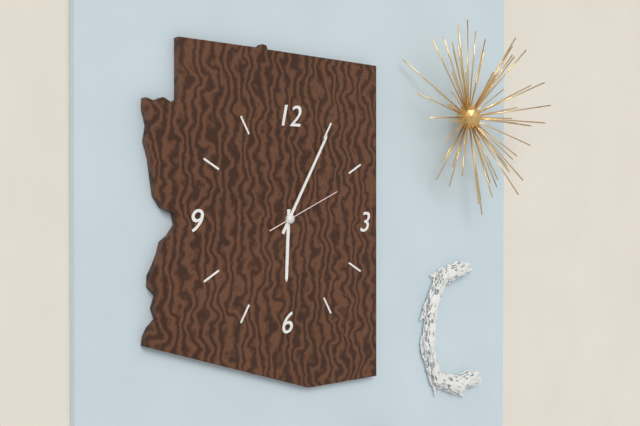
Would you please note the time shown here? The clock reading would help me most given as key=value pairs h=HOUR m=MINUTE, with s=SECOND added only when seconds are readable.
h=6 m=5 s=11
